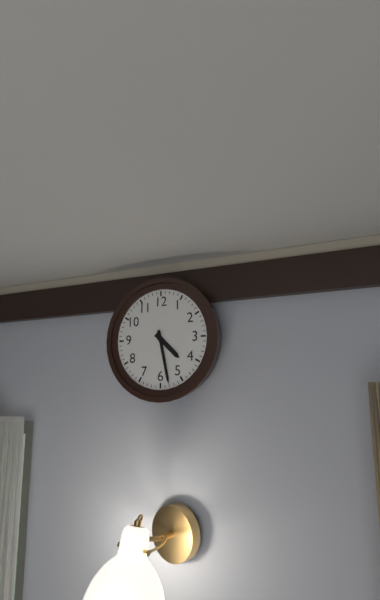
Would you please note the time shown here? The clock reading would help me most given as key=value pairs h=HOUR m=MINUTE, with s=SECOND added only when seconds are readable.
h=4 m=28
